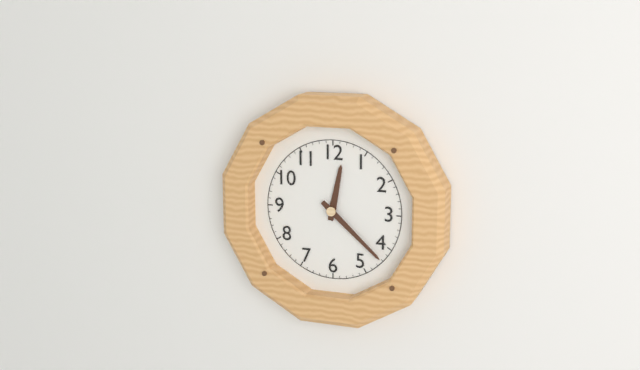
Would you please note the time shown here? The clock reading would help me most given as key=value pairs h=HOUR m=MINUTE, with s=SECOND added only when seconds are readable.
h=12 m=22
